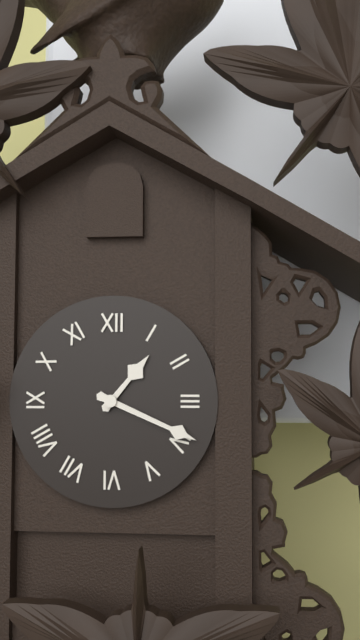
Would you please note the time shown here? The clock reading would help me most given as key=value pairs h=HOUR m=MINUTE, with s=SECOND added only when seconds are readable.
h=1 m=19
